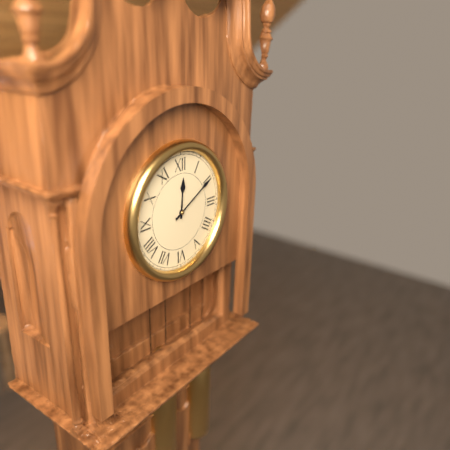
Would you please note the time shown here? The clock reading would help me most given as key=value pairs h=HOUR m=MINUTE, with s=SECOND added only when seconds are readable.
h=12 m=10
